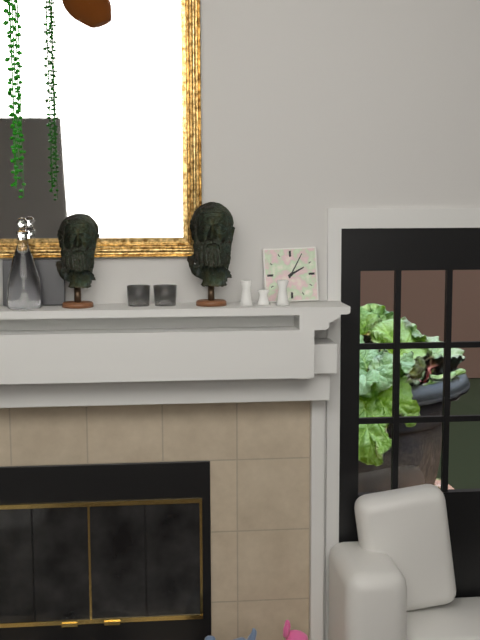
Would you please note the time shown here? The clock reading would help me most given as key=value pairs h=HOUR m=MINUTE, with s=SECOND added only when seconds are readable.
h=2 m=5
